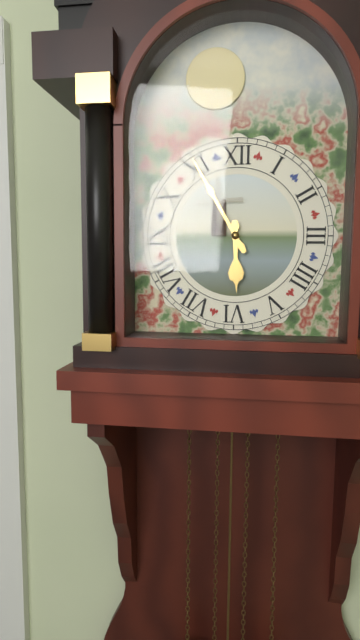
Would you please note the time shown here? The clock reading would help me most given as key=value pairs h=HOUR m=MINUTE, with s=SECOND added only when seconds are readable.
h=5 m=55
